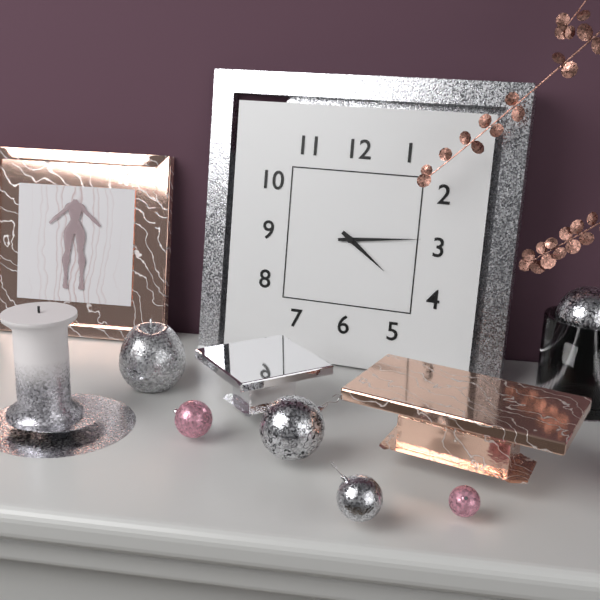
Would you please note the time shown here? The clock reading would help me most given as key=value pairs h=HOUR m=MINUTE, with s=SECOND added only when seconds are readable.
h=4 m=14
